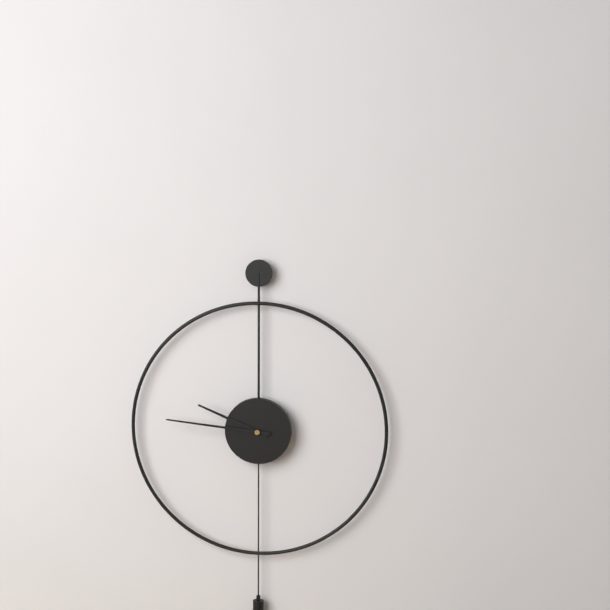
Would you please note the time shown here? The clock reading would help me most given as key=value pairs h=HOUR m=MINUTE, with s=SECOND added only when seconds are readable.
h=9 m=46
